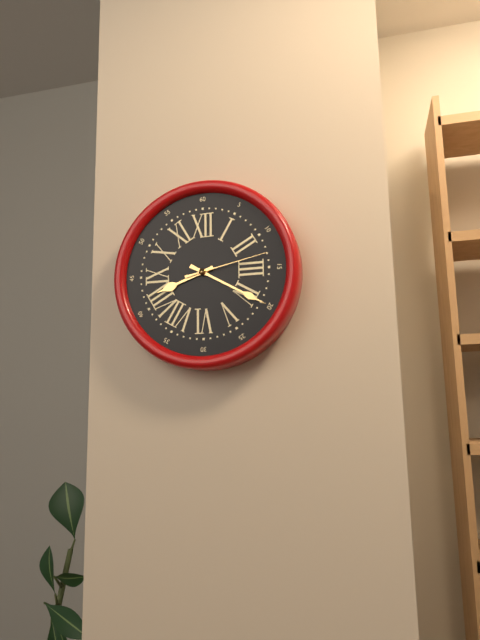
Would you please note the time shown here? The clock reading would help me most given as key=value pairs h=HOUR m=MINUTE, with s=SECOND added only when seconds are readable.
h=8 m=20 s=13
